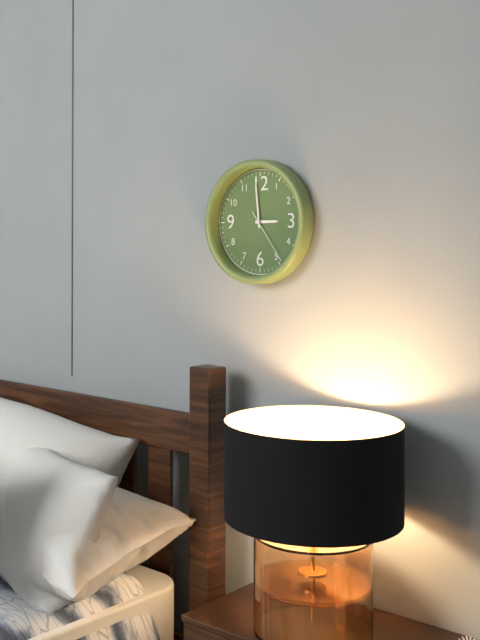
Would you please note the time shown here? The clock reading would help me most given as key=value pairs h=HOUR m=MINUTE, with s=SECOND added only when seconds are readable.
h=2 m=59 s=24
